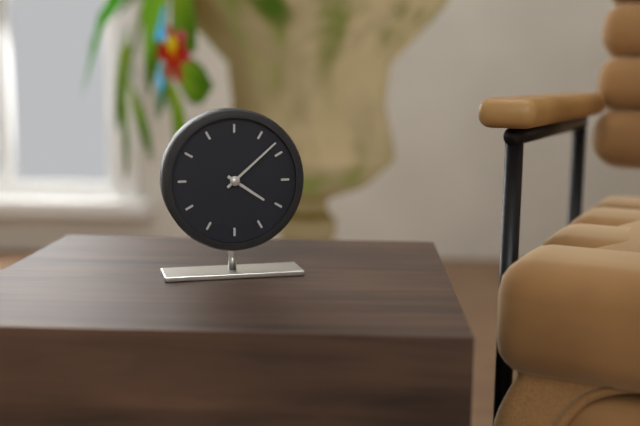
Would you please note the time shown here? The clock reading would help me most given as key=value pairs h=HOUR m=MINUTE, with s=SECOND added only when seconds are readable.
h=4 m=8
